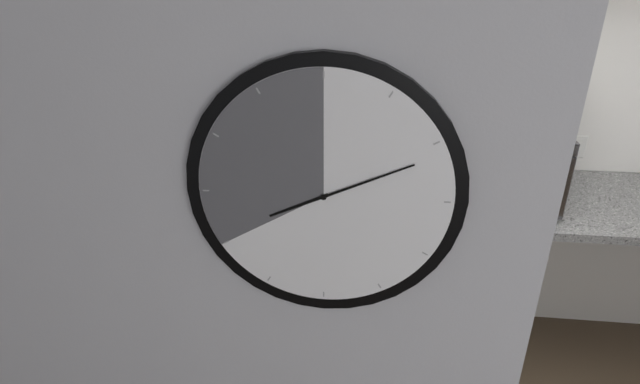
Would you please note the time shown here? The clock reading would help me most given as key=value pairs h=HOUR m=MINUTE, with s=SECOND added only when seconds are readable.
h=8 m=11
